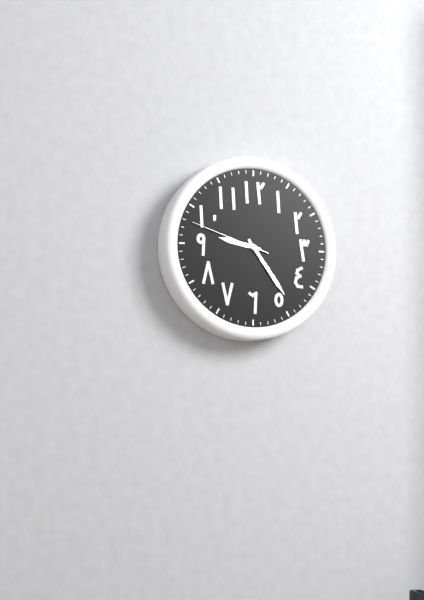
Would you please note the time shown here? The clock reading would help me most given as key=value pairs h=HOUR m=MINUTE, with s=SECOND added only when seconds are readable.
h=9 m=24 s=48
